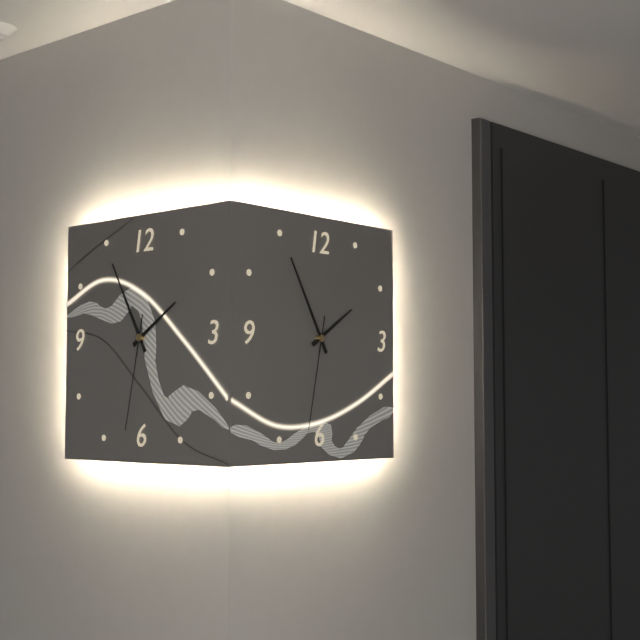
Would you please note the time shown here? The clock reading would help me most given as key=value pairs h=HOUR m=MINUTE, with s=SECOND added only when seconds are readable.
h=1 m=55 s=32
